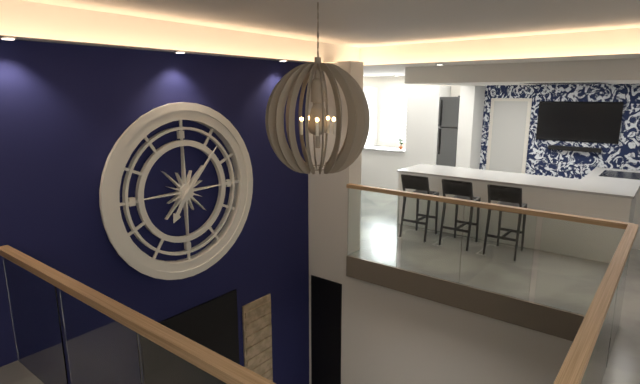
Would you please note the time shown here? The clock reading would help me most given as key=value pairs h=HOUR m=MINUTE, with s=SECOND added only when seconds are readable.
h=7 m=7
